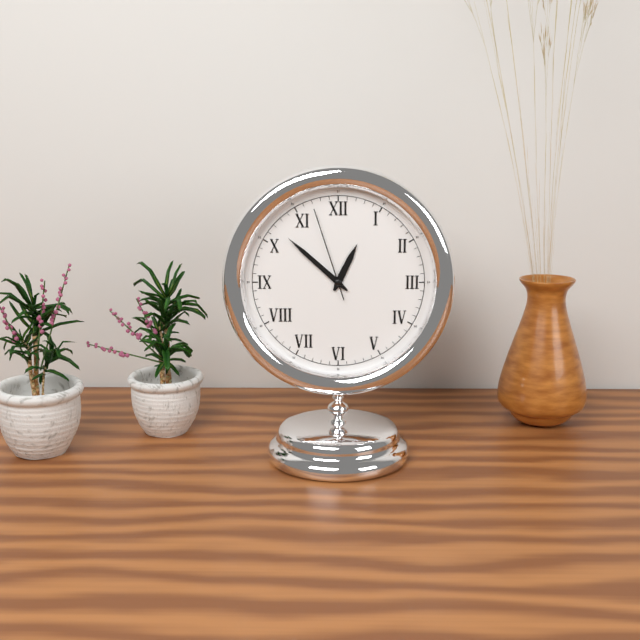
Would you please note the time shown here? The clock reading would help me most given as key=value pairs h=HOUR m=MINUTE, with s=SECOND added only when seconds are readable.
h=12 m=52 s=57
